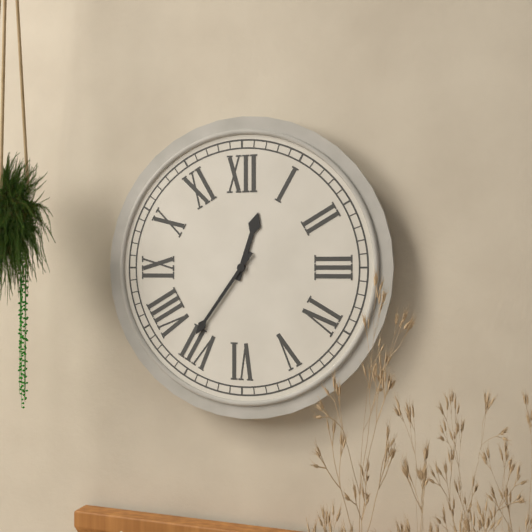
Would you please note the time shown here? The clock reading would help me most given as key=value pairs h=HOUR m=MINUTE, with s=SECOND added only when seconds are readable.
h=12 m=36
